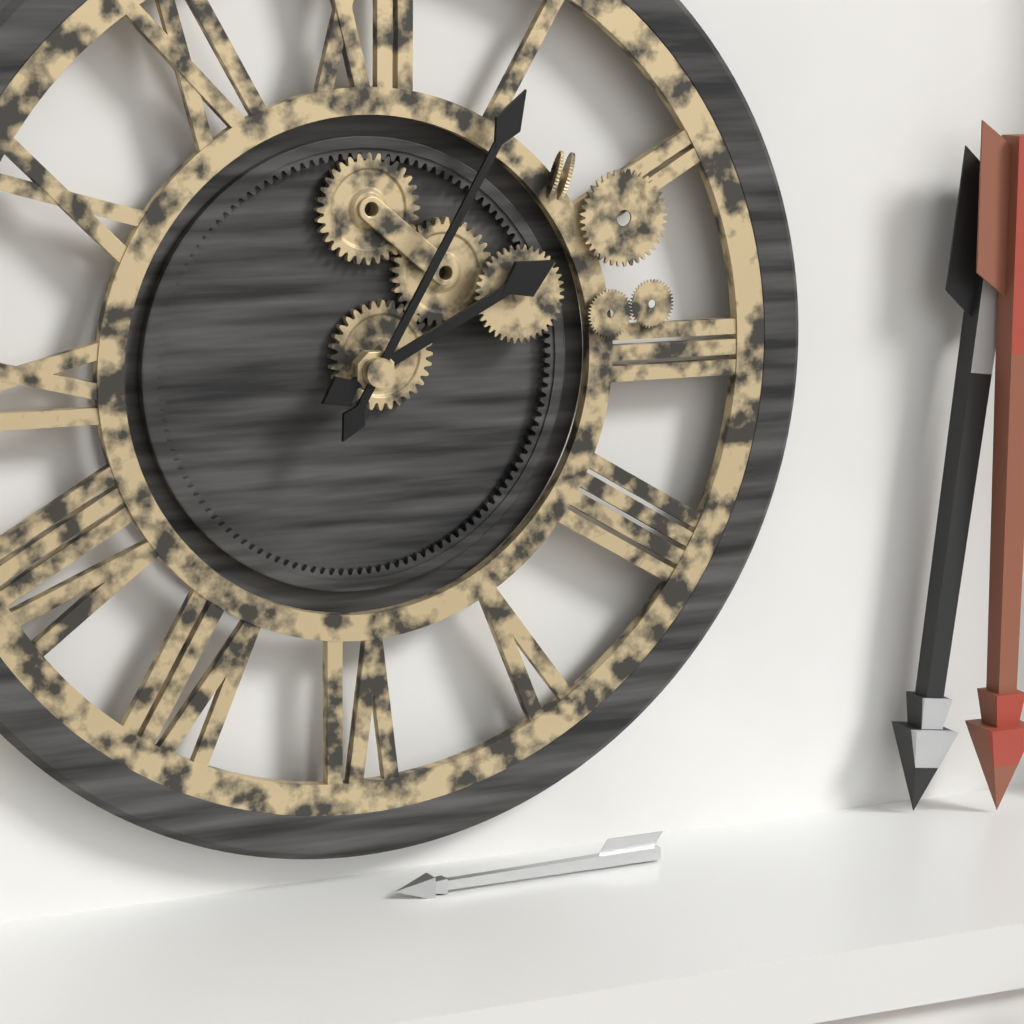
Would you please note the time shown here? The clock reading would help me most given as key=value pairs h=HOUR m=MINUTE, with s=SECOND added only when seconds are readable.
h=2 m=5
